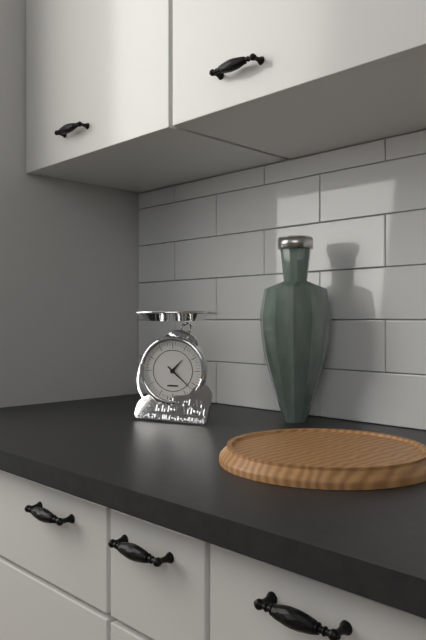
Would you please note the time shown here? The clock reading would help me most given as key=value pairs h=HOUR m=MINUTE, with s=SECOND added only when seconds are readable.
h=1 m=22
